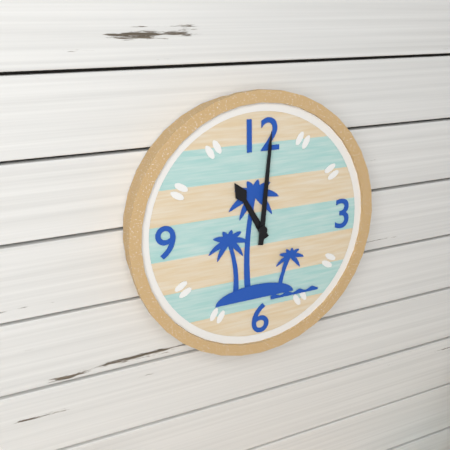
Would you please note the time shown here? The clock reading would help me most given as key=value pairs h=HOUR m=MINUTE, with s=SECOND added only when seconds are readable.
h=11 m=1
